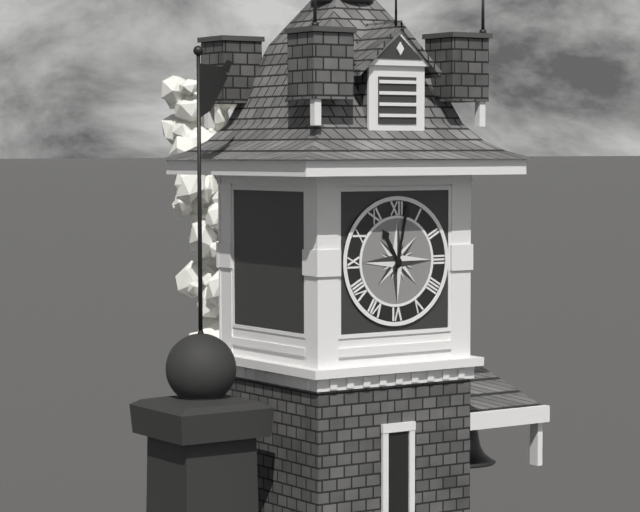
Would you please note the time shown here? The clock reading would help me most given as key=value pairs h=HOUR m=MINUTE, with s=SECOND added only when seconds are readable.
h=11 m=2
